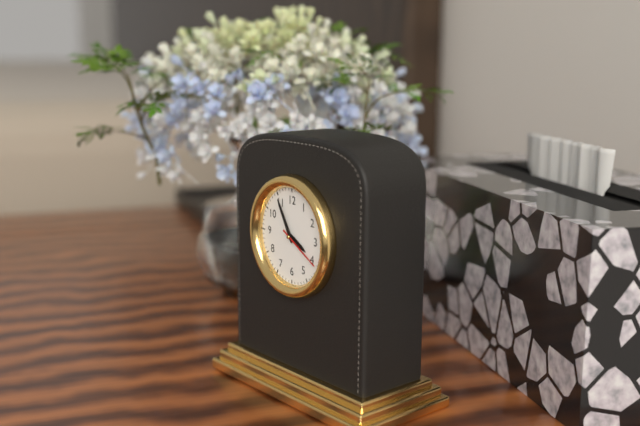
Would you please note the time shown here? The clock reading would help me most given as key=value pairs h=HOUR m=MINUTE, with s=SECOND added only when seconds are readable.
h=3 m=55
